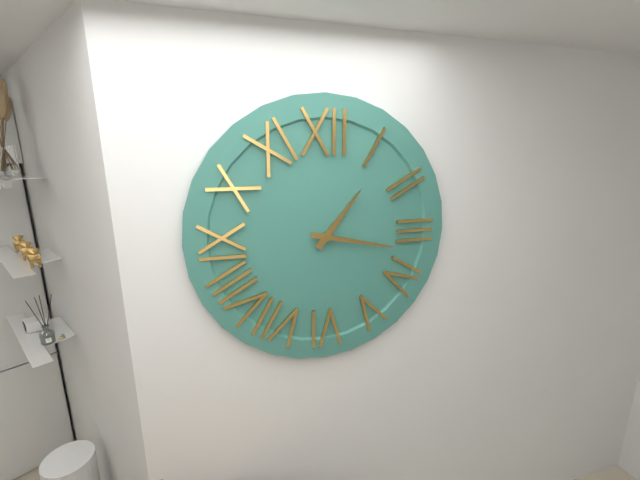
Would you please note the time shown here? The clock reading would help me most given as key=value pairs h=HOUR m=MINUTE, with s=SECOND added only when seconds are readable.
h=1 m=17
